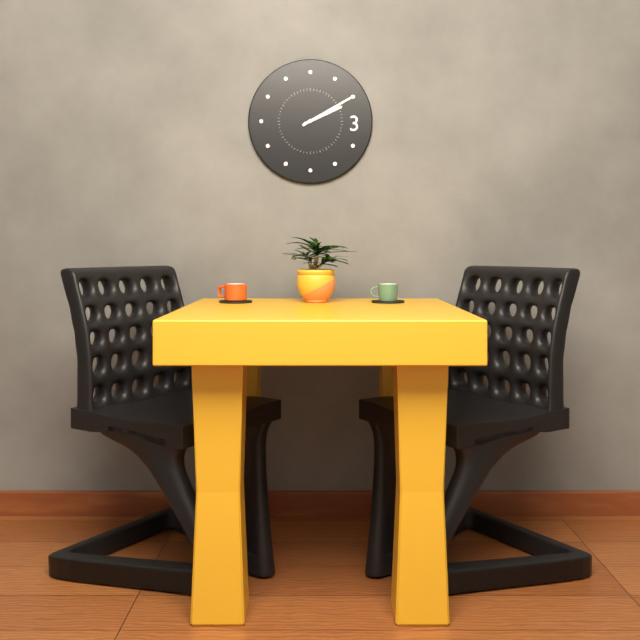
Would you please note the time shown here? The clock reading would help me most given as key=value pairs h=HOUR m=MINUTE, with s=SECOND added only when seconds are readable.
h=2 m=10
